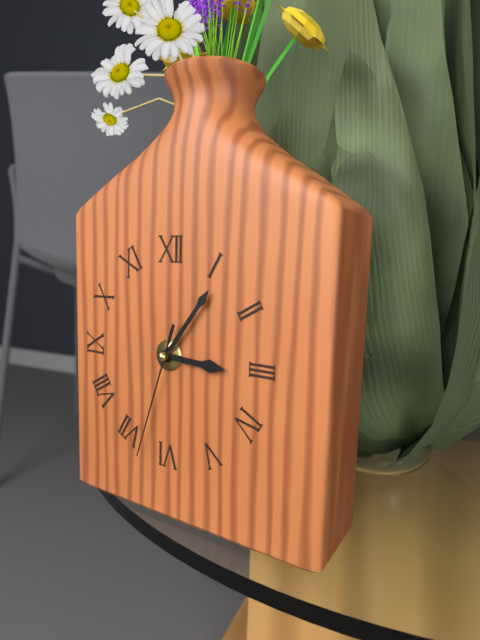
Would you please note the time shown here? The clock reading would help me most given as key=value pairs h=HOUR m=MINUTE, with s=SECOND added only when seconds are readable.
h=3 m=6 s=33
